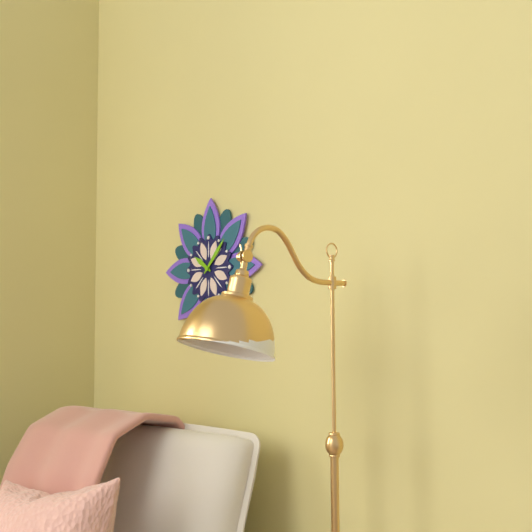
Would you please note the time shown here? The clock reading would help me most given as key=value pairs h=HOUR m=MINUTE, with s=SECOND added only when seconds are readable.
h=10 m=7
